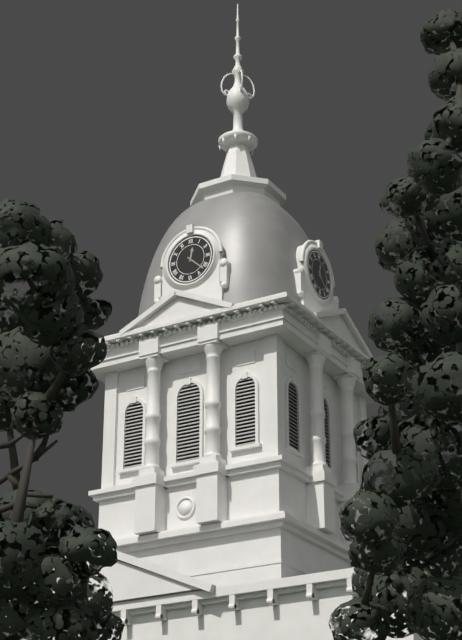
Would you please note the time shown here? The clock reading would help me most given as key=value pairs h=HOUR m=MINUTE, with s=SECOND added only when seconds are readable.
h=12 m=22
